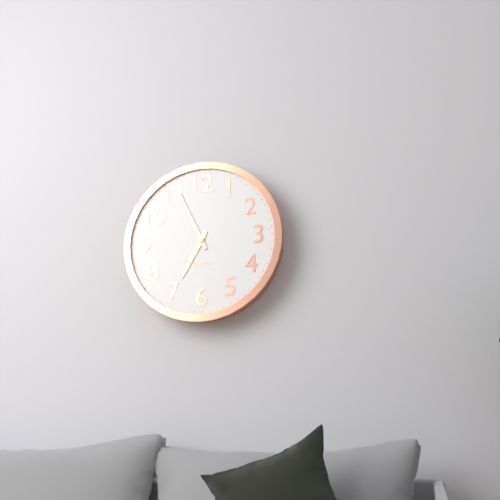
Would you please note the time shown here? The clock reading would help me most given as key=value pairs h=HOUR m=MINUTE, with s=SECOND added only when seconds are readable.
h=6 m=56
